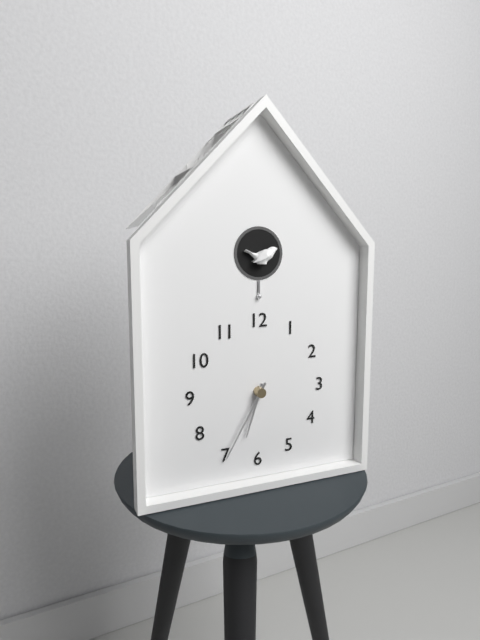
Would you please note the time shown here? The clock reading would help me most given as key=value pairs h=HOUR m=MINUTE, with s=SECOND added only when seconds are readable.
h=6 m=35
